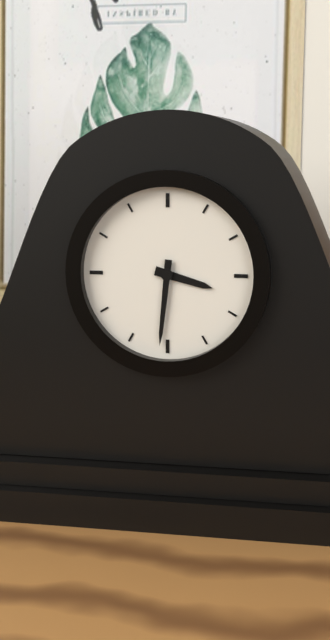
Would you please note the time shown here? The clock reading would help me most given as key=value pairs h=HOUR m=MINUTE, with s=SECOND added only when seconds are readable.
h=3 m=31
